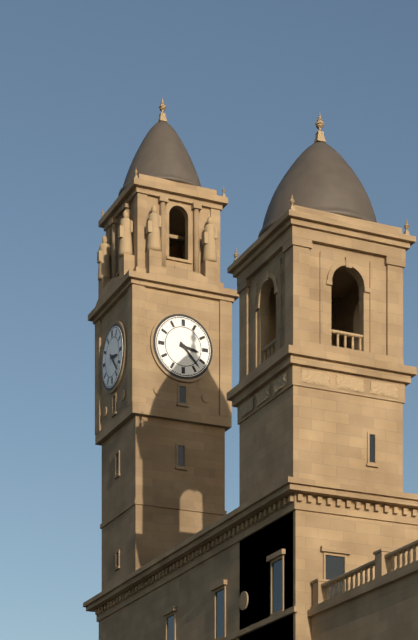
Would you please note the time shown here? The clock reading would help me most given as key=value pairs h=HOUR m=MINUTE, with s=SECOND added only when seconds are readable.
h=3 m=23
